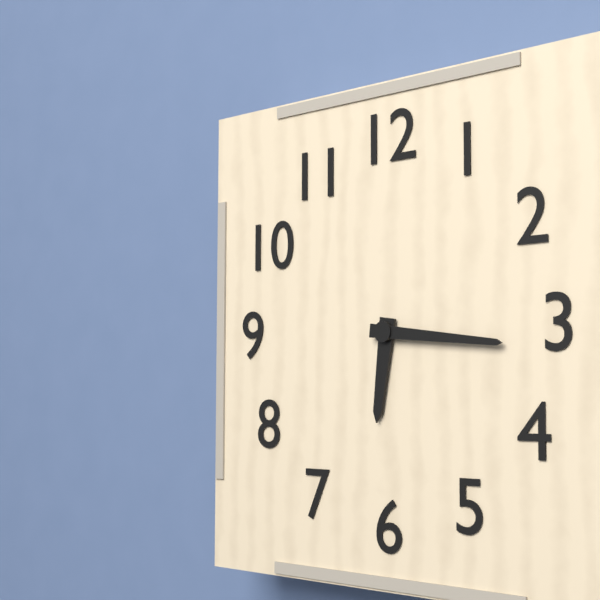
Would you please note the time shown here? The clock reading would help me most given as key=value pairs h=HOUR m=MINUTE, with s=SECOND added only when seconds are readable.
h=6 m=16
